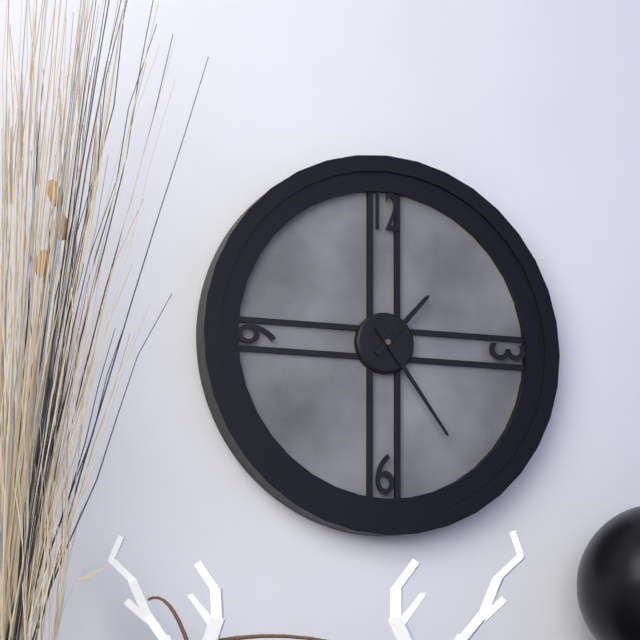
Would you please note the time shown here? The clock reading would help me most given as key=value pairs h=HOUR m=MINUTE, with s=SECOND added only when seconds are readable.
h=1 m=24
